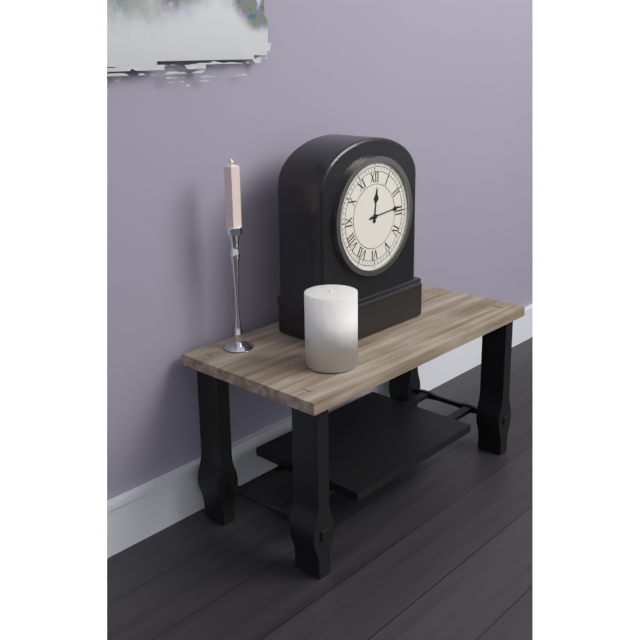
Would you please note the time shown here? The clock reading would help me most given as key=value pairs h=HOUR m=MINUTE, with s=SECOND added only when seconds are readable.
h=12 m=14
